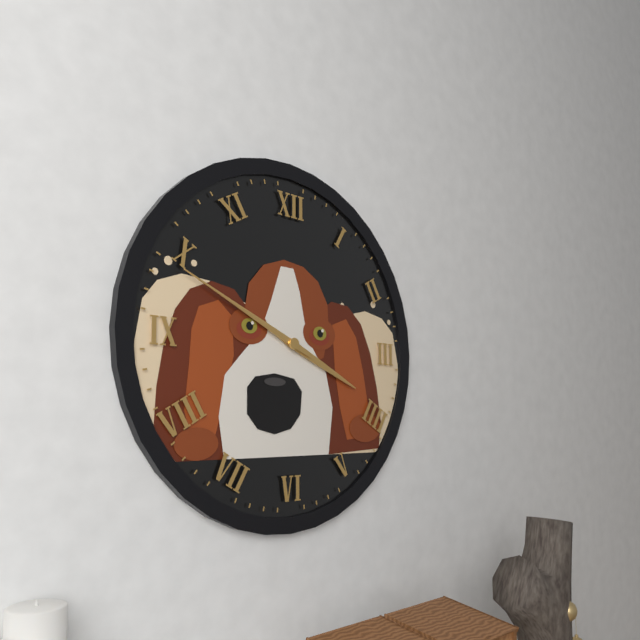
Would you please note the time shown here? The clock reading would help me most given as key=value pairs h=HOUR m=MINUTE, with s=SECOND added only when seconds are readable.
h=3 m=49
